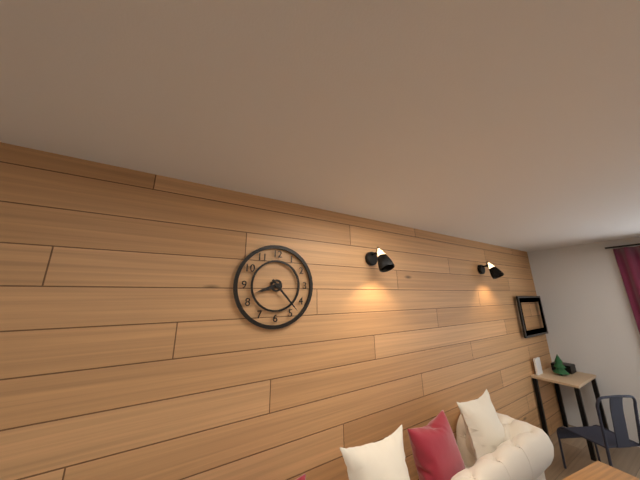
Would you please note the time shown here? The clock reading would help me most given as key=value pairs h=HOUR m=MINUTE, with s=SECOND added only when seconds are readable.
h=8 m=23
